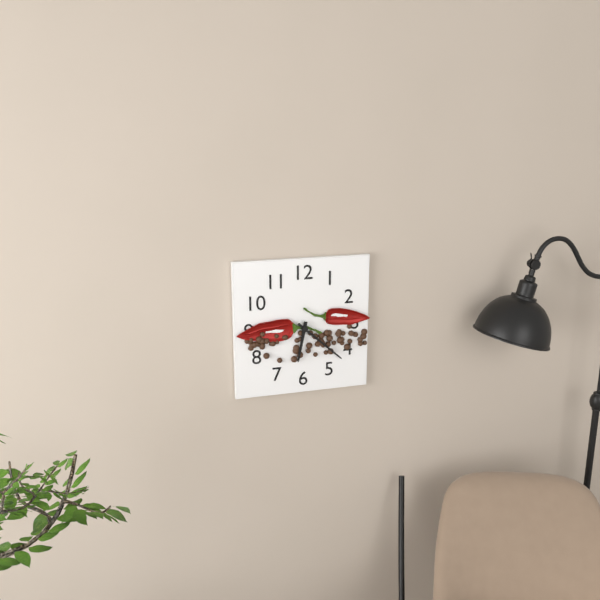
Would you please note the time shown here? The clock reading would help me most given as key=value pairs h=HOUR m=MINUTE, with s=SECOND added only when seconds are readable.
h=6 m=22
